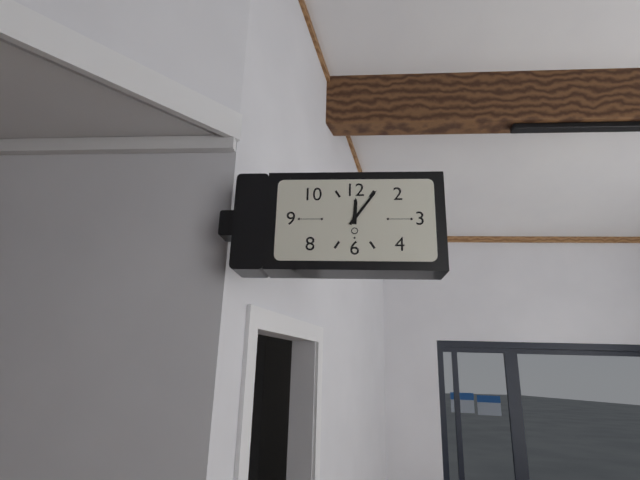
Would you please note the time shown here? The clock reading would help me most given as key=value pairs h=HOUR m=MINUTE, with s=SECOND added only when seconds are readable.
h=12 m=6
